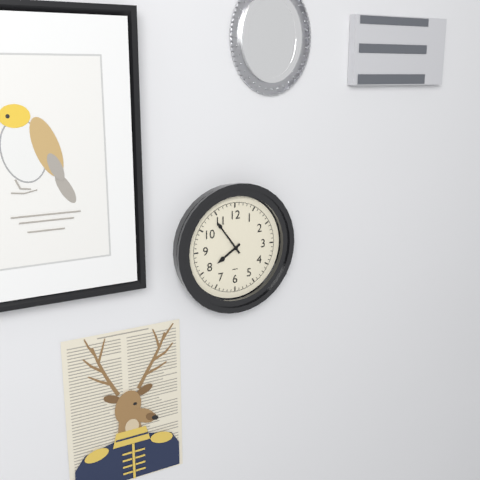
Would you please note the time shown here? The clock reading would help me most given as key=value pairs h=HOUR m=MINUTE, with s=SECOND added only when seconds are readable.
h=7 m=54
